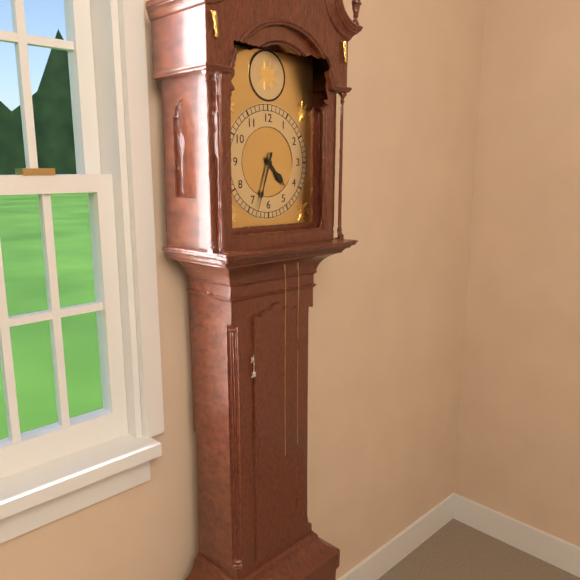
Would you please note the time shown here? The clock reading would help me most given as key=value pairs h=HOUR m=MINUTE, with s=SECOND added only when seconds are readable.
h=4 m=33
